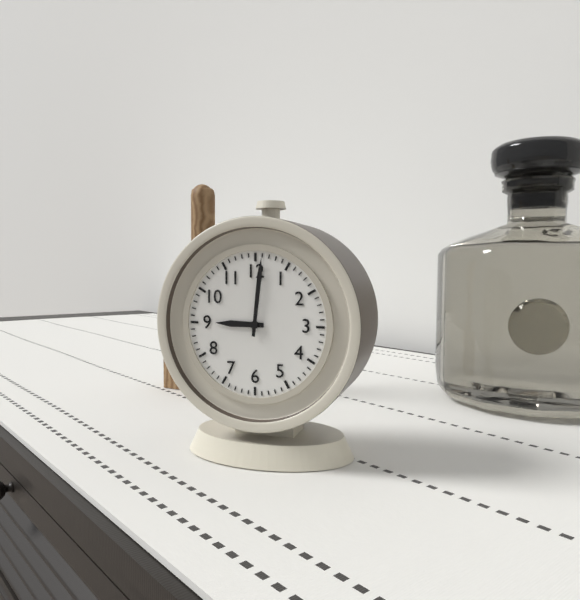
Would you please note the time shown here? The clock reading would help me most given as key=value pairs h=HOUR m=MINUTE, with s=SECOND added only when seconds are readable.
h=9 m=1
